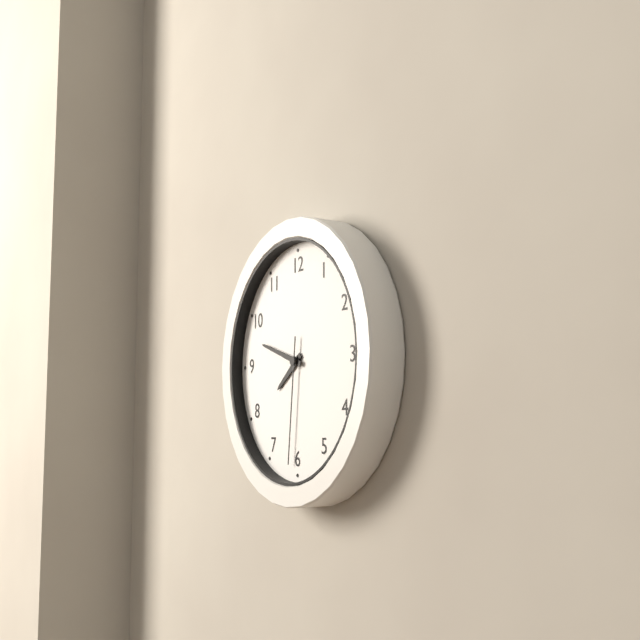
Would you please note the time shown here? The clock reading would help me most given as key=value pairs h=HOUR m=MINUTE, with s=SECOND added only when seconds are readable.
h=7 m=48 s=31
